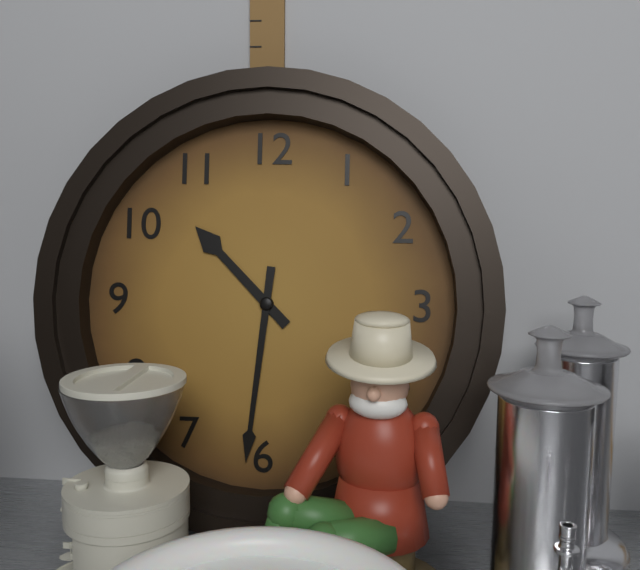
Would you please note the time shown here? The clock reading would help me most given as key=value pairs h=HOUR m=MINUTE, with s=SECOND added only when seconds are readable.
h=10 m=31
